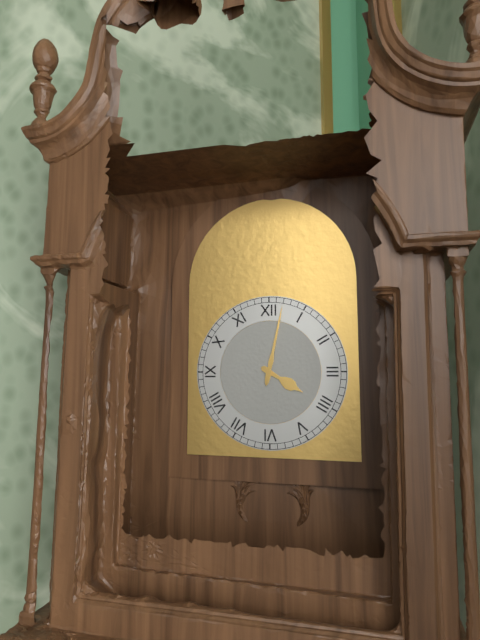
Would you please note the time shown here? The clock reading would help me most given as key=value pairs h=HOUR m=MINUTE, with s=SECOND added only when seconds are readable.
h=4 m=2
